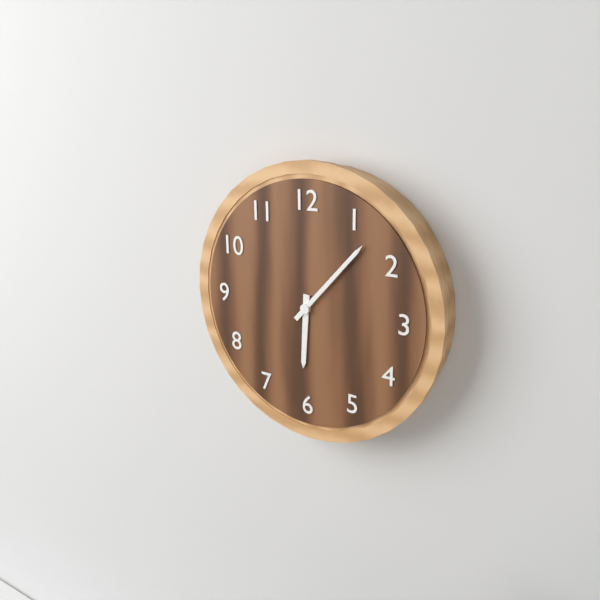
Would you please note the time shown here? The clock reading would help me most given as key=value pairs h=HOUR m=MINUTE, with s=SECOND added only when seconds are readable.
h=6 m=7
